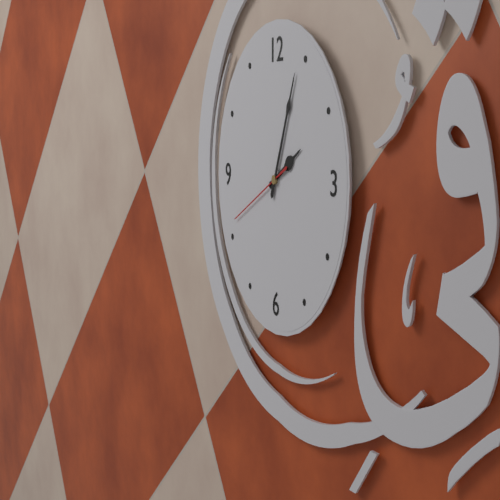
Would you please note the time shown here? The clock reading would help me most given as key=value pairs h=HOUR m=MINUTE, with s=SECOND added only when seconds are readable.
h=2 m=4 s=41
